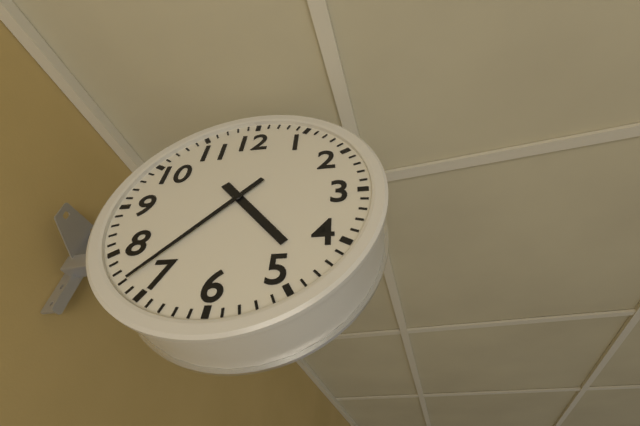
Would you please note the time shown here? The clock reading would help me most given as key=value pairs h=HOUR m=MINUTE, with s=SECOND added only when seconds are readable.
h=4 m=37
